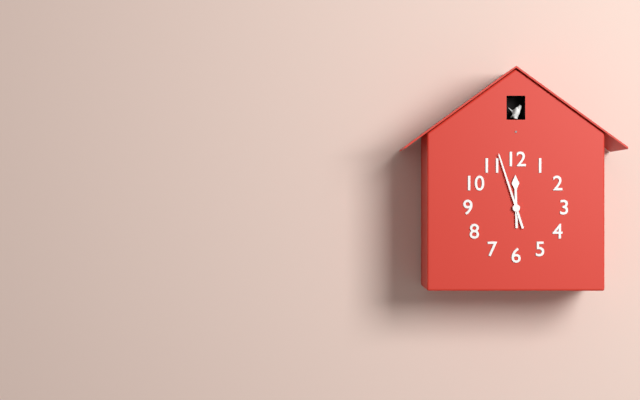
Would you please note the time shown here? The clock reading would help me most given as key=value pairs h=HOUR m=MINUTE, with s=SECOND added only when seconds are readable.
h=11 m=57
